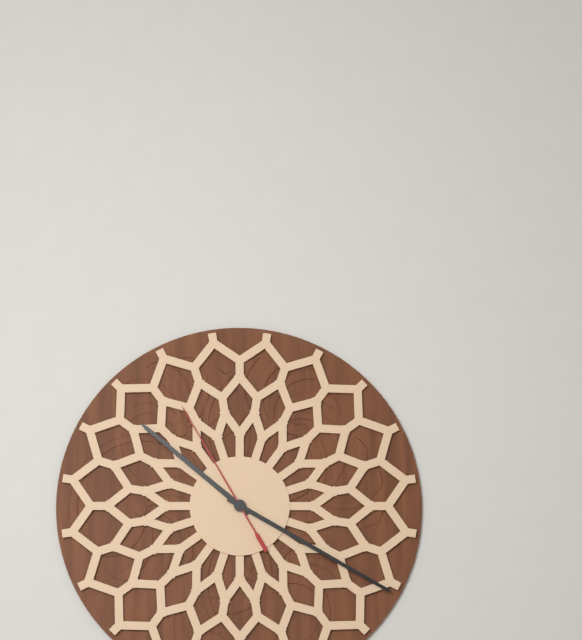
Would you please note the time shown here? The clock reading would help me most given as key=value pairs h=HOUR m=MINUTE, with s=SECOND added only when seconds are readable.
h=10 m=20 s=55
